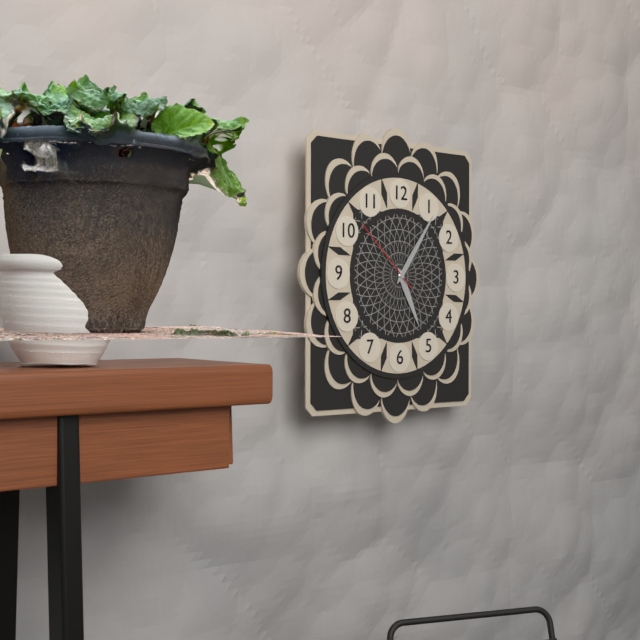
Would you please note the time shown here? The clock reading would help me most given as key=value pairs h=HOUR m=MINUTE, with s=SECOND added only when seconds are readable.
h=5 m=6 s=52
